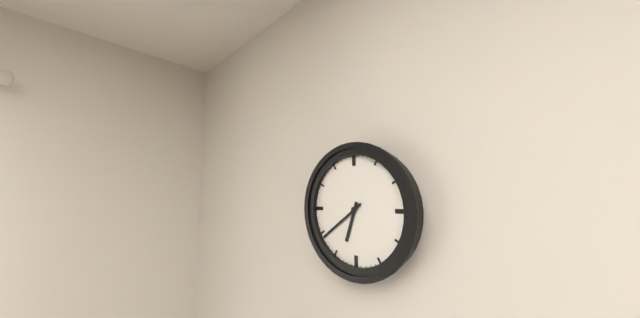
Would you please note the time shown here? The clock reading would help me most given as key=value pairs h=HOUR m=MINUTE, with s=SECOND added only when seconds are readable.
h=6 m=39
